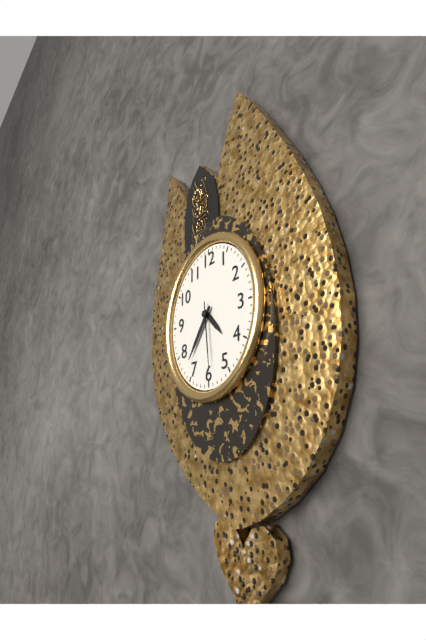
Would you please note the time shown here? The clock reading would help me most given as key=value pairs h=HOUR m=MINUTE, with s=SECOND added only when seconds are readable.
h=4 m=36 s=29
